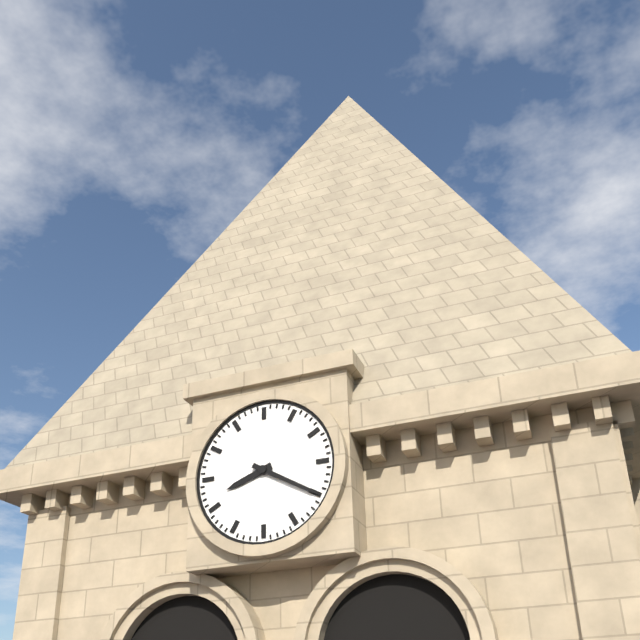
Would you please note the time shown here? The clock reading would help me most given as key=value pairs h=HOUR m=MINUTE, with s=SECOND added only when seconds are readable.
h=8 m=20
